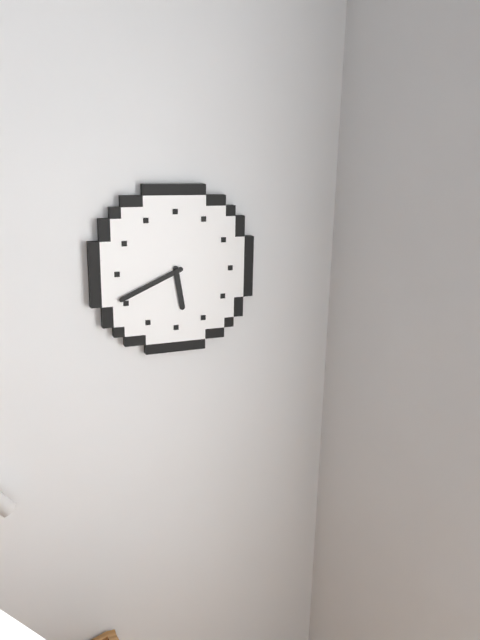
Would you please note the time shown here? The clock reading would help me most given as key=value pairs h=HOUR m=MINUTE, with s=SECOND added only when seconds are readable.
h=5 m=41
